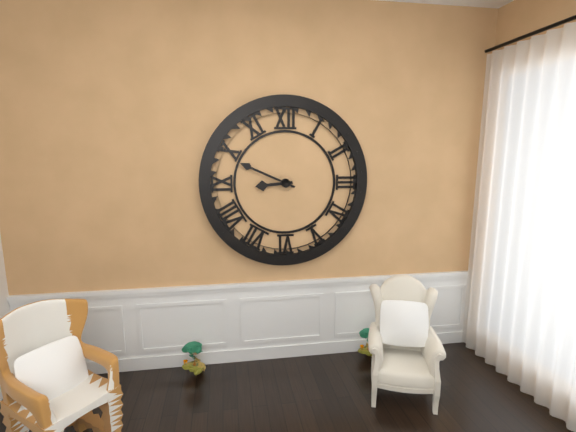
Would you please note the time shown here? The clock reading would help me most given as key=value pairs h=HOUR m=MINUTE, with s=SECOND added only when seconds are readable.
h=8 m=49
